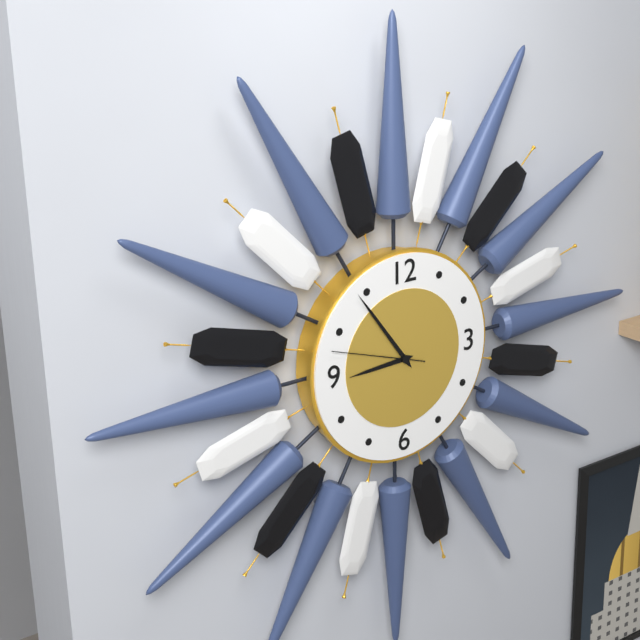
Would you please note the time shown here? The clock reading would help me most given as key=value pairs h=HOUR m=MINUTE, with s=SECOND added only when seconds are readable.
h=8 m=54 s=48
